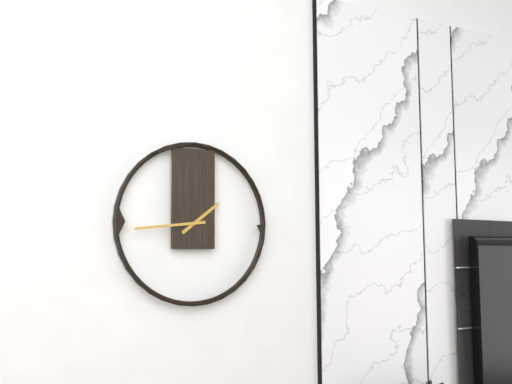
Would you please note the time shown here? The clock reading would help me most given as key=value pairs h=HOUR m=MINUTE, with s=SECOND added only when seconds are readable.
h=1 m=44
